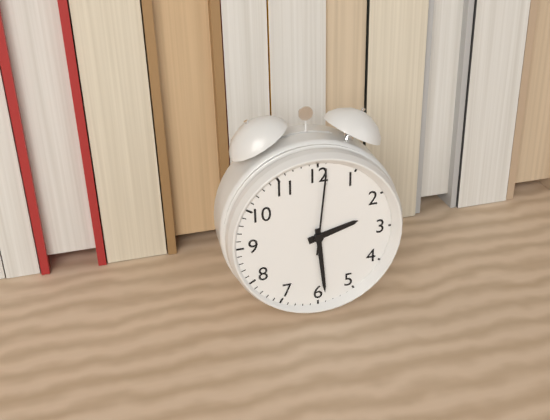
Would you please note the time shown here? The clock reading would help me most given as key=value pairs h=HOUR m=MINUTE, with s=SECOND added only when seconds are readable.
h=2 m=29 s=1
